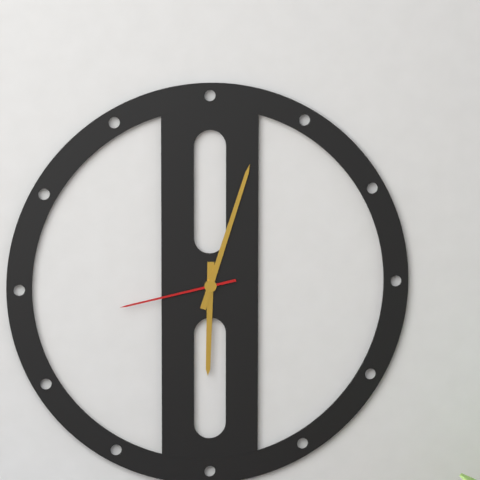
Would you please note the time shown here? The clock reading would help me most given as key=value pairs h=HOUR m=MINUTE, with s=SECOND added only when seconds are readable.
h=6 m=3 s=43
